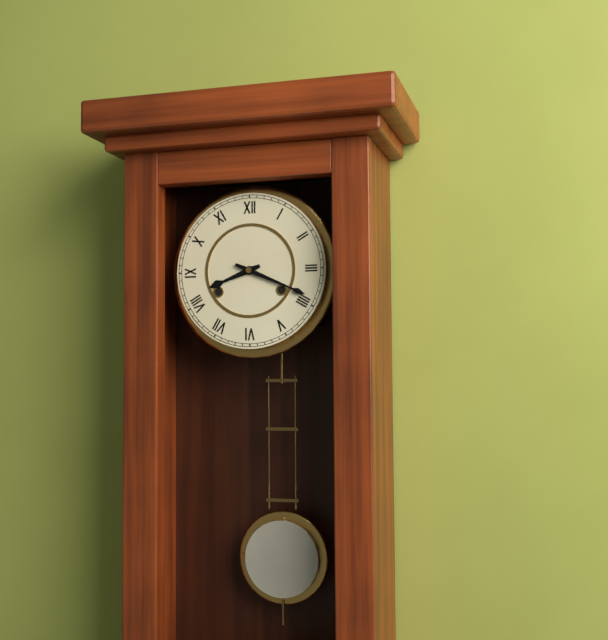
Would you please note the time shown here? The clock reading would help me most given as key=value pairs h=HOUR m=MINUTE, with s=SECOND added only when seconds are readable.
h=8 m=19
